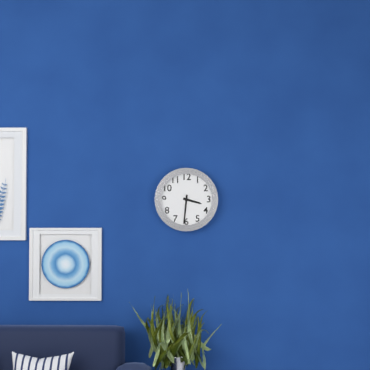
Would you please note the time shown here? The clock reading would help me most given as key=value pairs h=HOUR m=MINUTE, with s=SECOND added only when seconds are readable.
h=3 m=31
